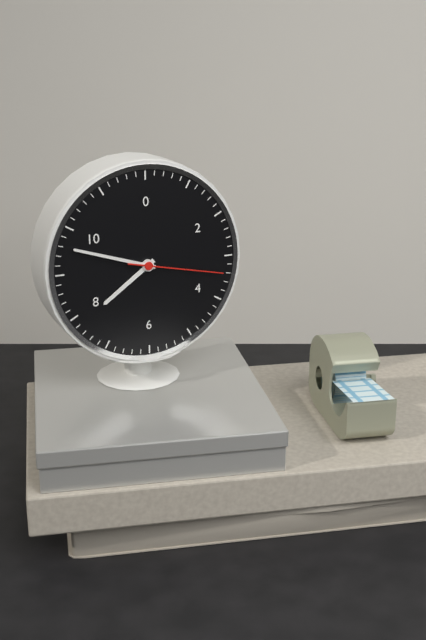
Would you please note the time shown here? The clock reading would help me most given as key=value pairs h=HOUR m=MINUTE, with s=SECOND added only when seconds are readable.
h=7 m=48 s=17
